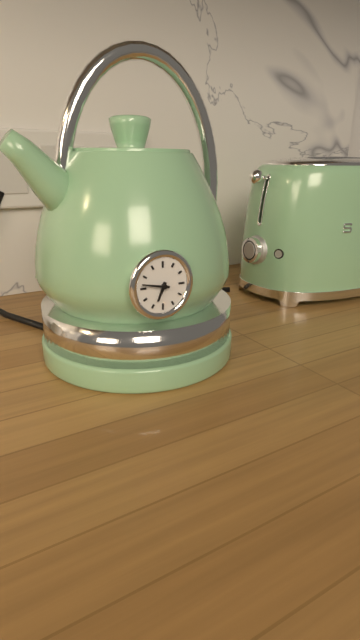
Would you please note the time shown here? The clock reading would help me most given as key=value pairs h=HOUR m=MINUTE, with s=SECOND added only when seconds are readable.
h=6 m=47
